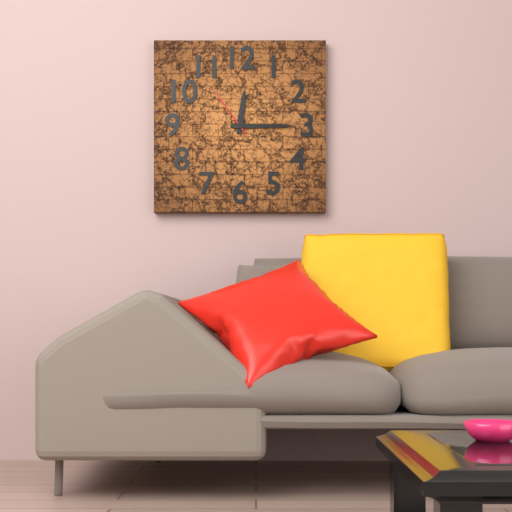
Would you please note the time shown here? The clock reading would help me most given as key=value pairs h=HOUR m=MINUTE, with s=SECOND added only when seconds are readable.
h=12 m=15 s=54
